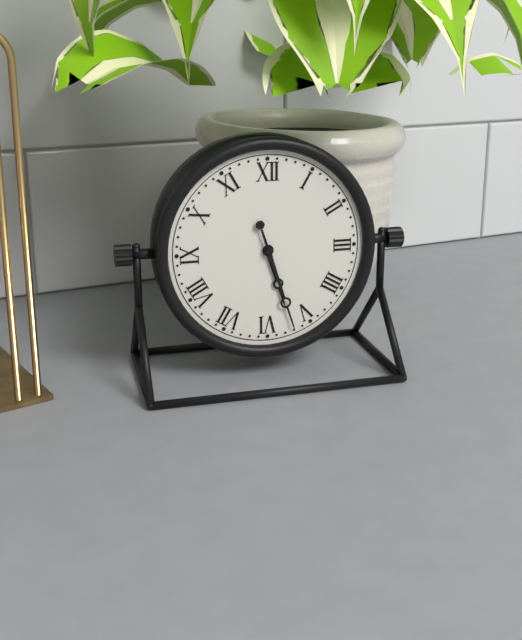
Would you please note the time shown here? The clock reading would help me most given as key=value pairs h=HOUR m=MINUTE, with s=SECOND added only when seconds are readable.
h=5 m=27
